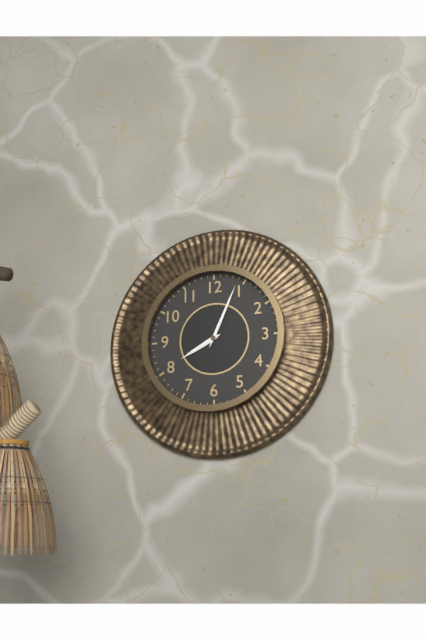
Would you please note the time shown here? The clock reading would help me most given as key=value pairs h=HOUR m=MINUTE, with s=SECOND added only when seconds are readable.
h=8 m=4
